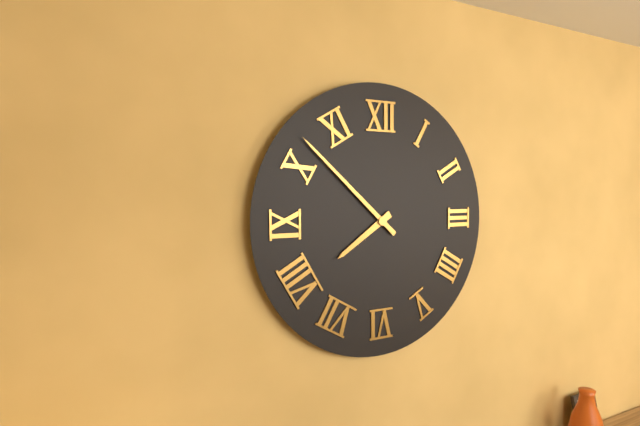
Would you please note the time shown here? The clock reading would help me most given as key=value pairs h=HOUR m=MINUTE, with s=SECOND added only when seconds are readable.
h=7 m=52
